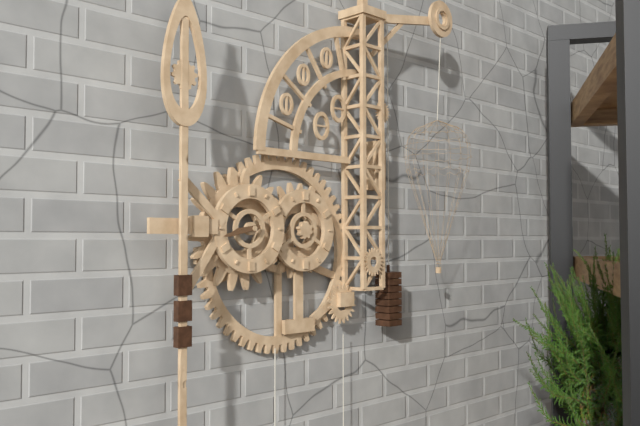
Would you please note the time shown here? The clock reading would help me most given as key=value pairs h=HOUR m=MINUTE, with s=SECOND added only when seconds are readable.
h=8 m=43
